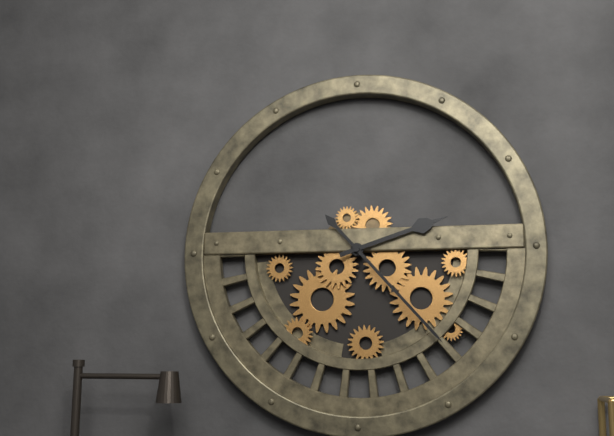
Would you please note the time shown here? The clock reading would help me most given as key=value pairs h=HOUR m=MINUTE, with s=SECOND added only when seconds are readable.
h=2 m=23
